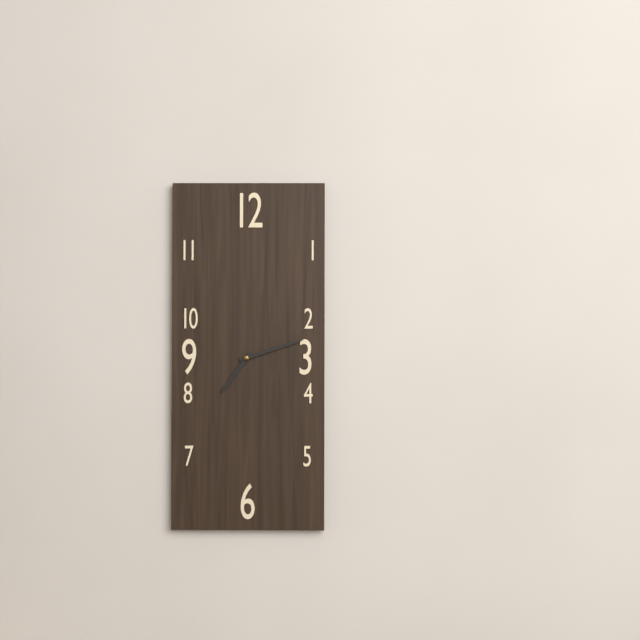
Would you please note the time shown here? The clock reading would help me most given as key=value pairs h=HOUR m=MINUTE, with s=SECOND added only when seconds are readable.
h=7 m=12
